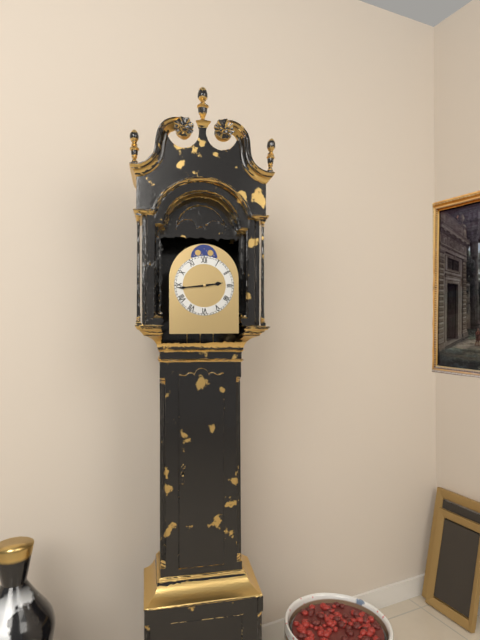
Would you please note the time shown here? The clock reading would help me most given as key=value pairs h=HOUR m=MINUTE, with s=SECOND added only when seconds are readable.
h=2 m=44
